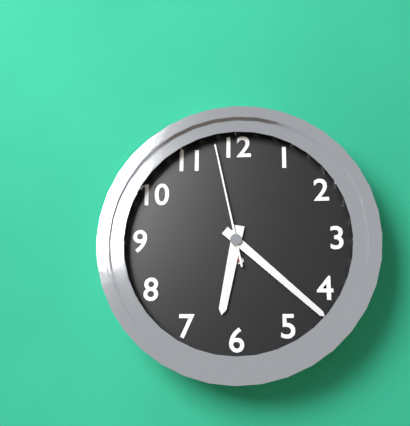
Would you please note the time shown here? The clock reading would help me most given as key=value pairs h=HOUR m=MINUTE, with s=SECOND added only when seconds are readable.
h=6 m=22 s=58
